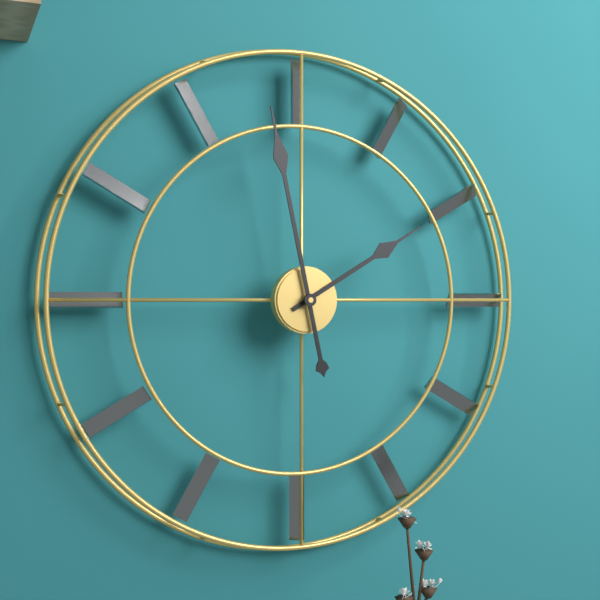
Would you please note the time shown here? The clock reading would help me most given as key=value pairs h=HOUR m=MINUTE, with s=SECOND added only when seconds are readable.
h=1 m=58
